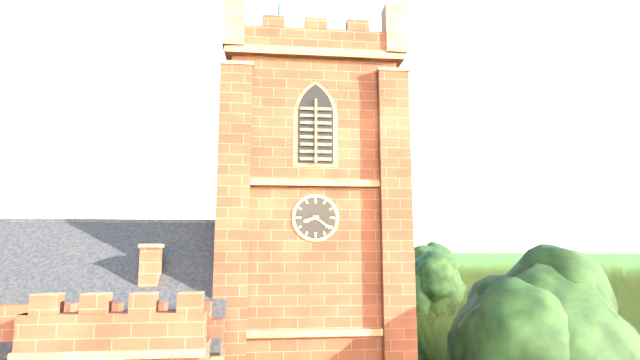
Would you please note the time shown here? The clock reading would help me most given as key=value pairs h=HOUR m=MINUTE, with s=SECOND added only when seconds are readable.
h=8 m=21
